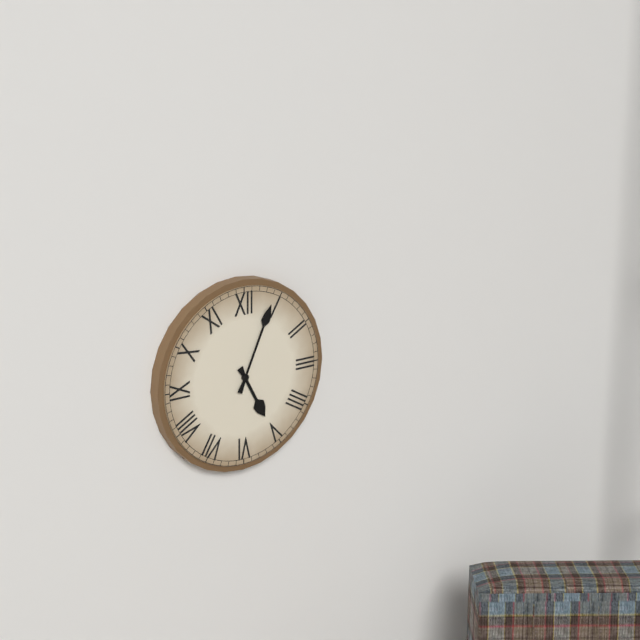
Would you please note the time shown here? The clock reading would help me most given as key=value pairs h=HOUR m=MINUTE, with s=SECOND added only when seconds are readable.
h=5 m=4
